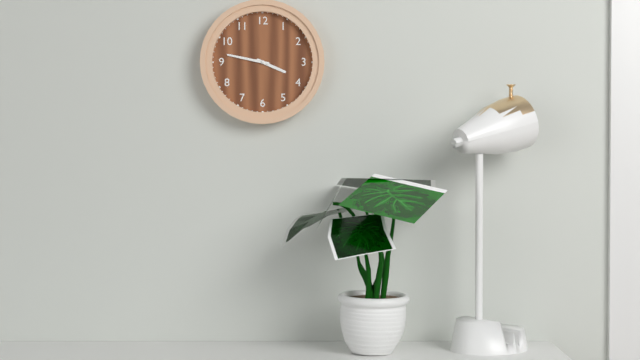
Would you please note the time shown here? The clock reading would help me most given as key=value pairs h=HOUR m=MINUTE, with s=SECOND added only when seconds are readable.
h=3 m=47
